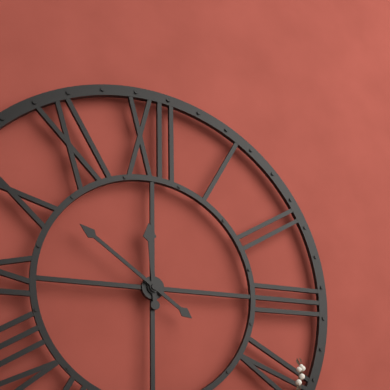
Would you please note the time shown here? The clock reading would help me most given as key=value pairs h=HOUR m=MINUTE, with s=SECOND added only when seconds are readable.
h=11 m=51
